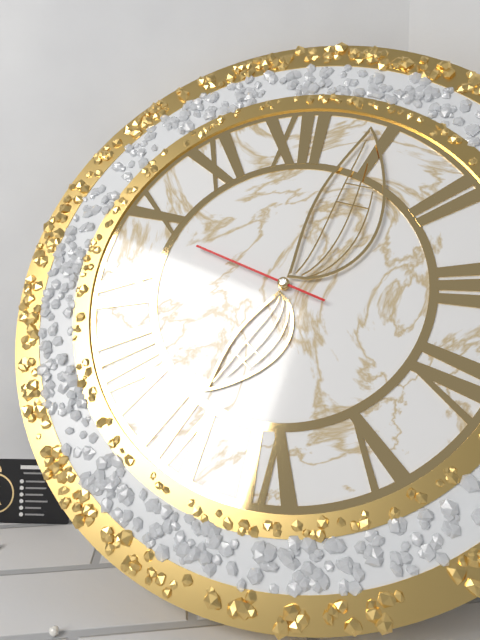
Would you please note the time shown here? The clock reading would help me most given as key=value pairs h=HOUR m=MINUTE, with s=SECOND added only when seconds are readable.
h=7 m=4 s=49
